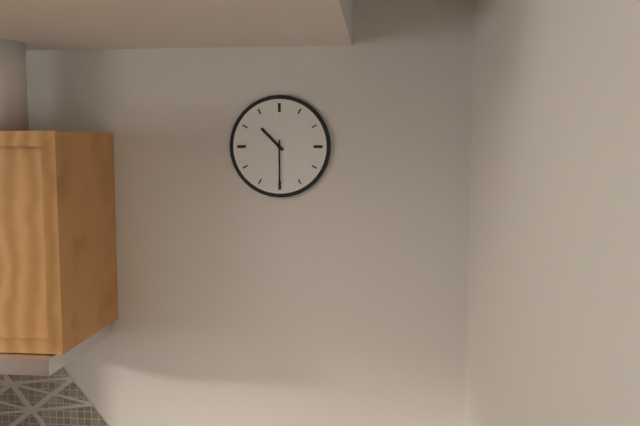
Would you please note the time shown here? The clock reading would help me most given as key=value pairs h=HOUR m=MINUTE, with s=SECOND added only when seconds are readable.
h=10 m=30
